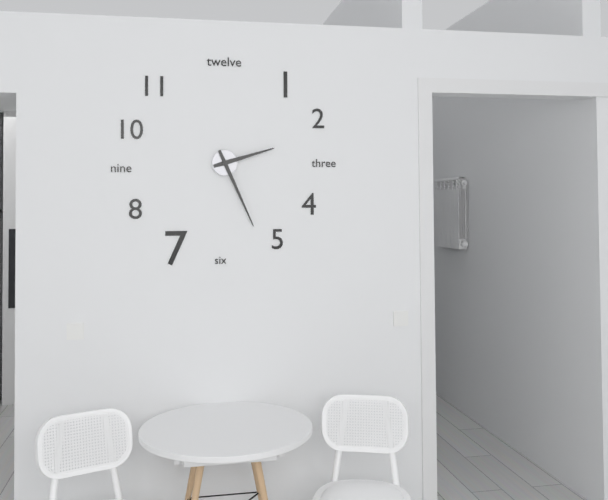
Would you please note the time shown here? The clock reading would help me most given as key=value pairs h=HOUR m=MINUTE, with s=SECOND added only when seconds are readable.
h=2 m=26
